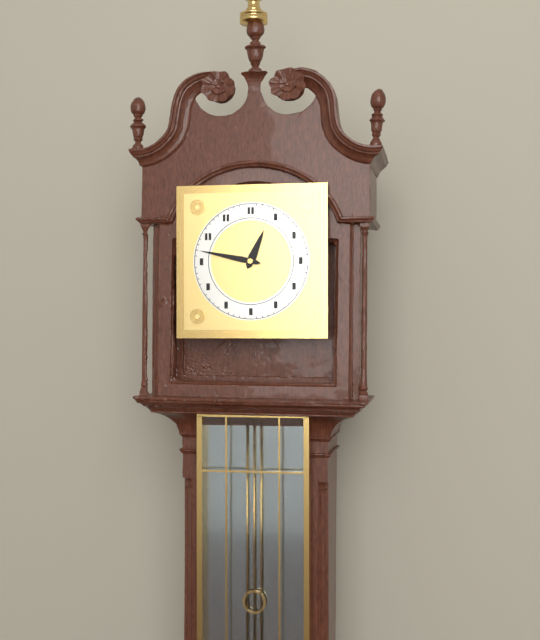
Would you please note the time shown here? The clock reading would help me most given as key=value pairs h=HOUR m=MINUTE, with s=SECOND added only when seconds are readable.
h=12 m=47
